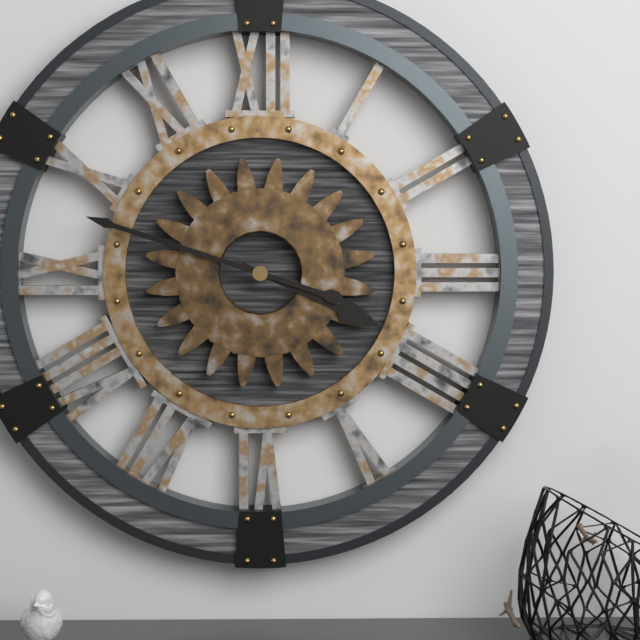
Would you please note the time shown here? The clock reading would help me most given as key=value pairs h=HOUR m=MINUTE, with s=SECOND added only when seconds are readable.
h=3 m=48
